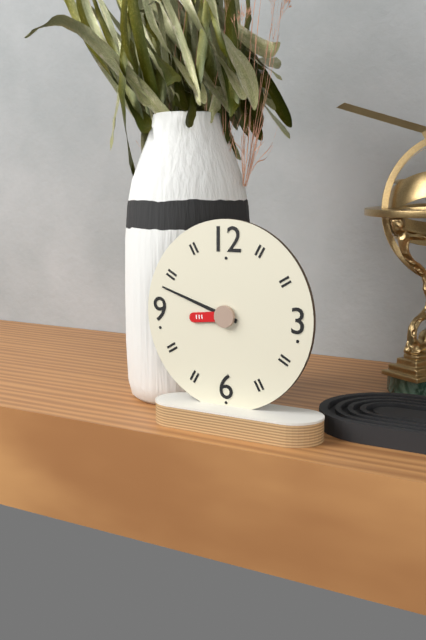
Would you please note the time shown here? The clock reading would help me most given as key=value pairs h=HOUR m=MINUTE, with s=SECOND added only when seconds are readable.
h=8 m=48
